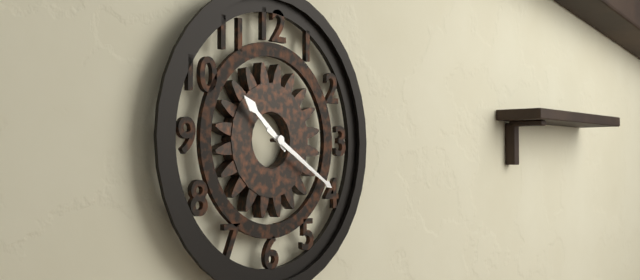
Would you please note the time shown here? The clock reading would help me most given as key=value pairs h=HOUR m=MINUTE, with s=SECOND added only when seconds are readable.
h=10 m=20
